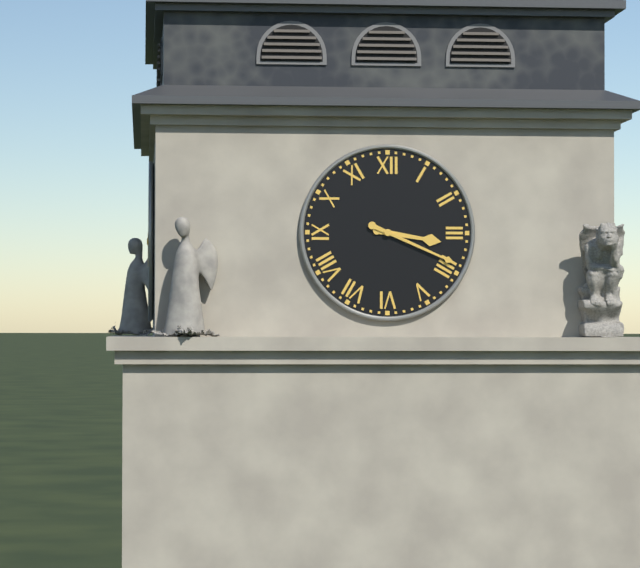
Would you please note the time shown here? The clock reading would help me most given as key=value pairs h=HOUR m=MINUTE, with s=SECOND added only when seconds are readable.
h=3 m=19
